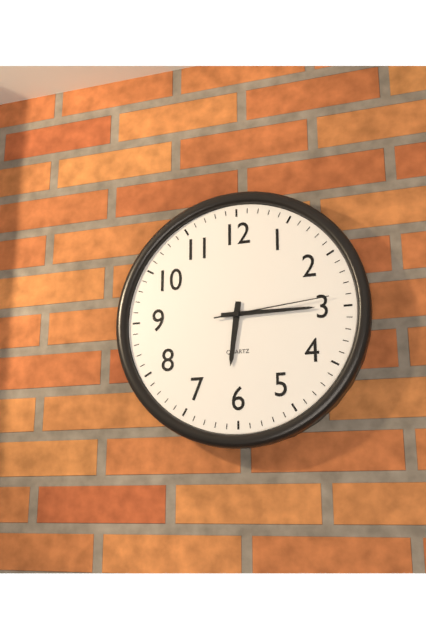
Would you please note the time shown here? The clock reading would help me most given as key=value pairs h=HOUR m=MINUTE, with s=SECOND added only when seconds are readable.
h=6 m=15 s=14
